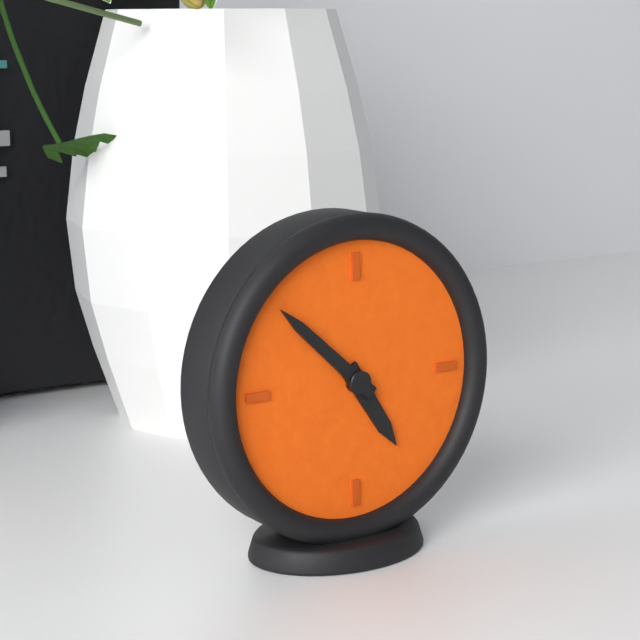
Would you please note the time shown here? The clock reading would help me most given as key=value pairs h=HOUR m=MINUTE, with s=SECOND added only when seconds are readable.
h=4 m=52
